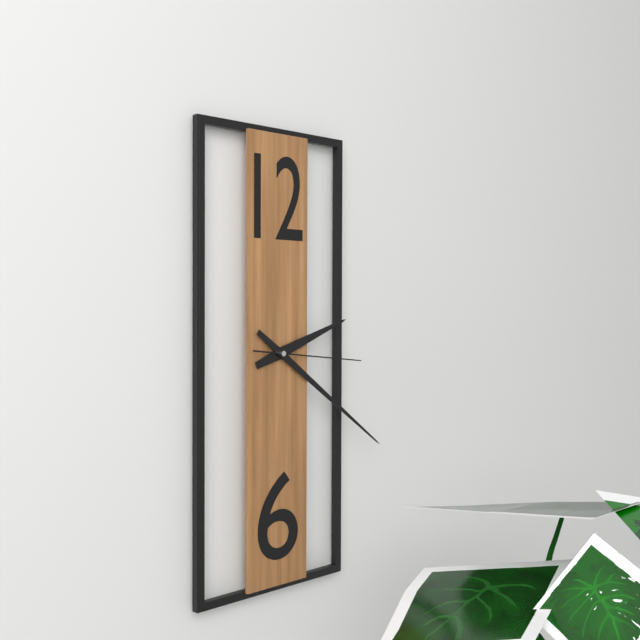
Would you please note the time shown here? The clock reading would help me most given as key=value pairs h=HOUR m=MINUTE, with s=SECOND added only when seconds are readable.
h=2 m=21 s=16
